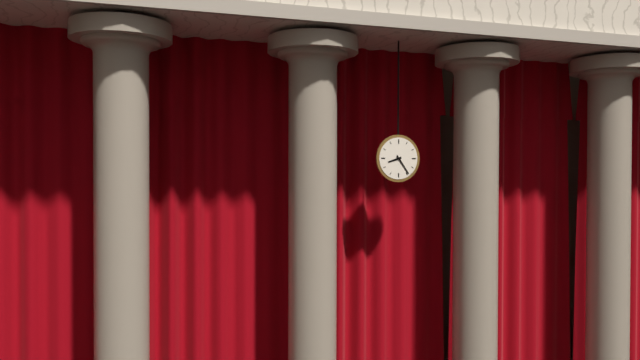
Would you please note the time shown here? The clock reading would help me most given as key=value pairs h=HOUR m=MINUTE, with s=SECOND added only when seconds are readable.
h=8 m=24
